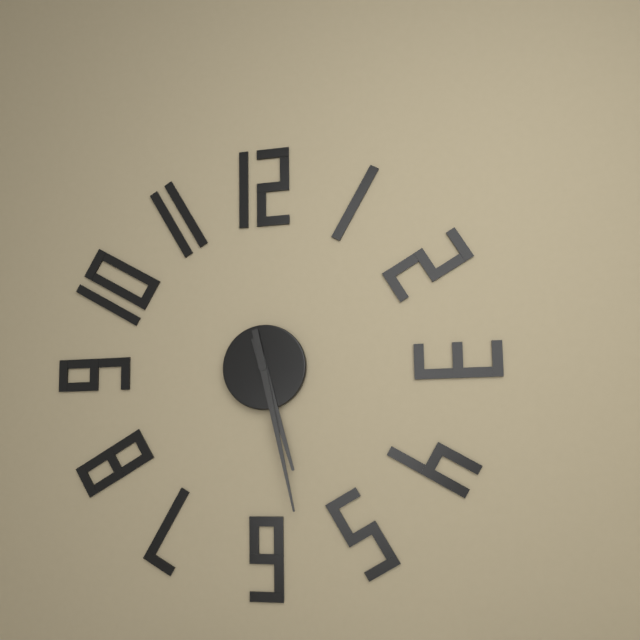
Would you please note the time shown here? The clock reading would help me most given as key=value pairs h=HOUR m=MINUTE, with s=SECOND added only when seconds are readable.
h=5 m=28
